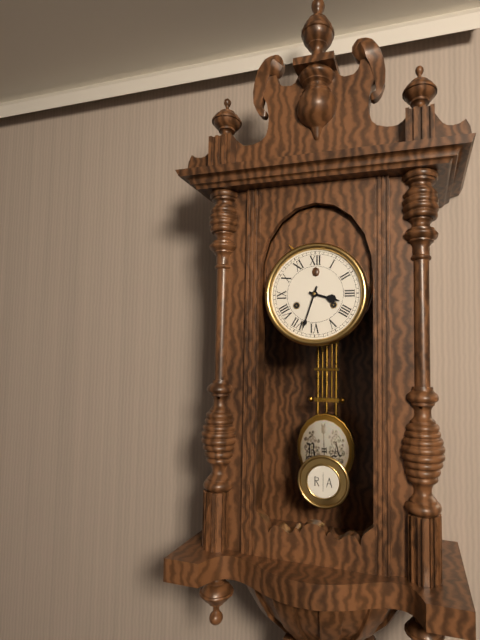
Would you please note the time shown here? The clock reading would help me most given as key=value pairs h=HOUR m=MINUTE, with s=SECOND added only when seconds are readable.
h=3 m=33
